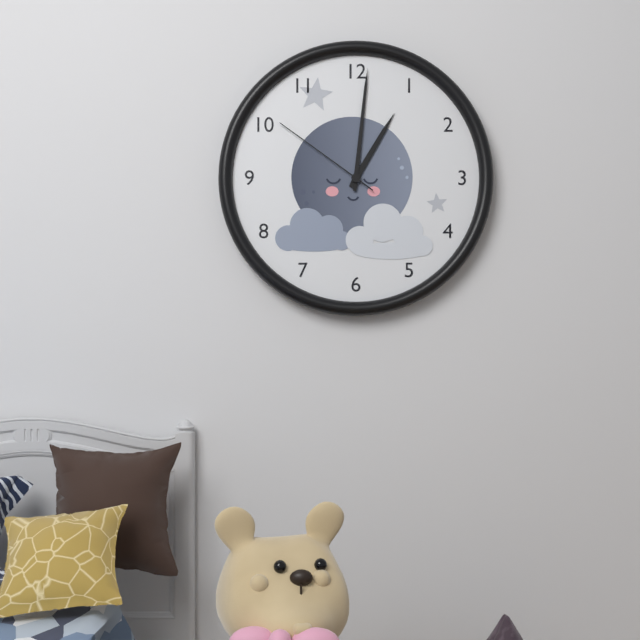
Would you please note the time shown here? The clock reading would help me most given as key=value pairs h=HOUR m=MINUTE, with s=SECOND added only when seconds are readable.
h=1 m=1 s=51
